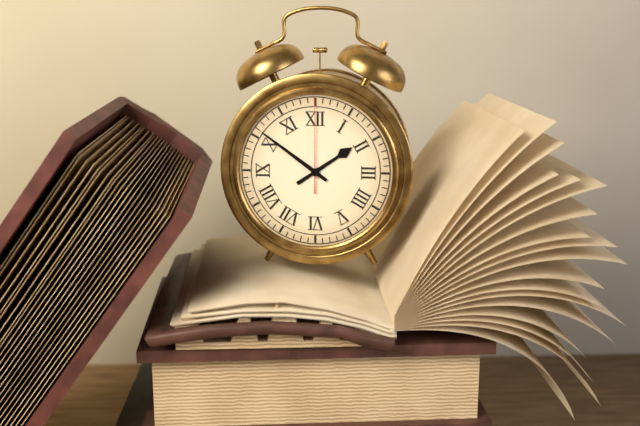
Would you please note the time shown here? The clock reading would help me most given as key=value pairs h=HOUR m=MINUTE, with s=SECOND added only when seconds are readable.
h=1 m=51 s=0
